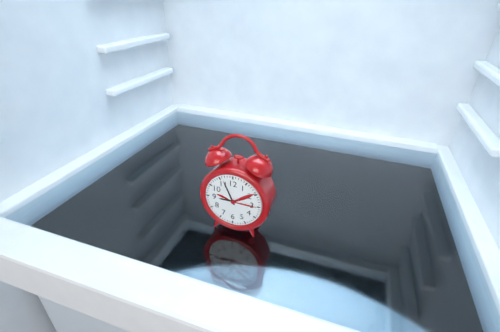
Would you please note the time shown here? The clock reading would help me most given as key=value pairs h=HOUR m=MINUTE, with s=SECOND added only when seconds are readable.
h=8 m=56
